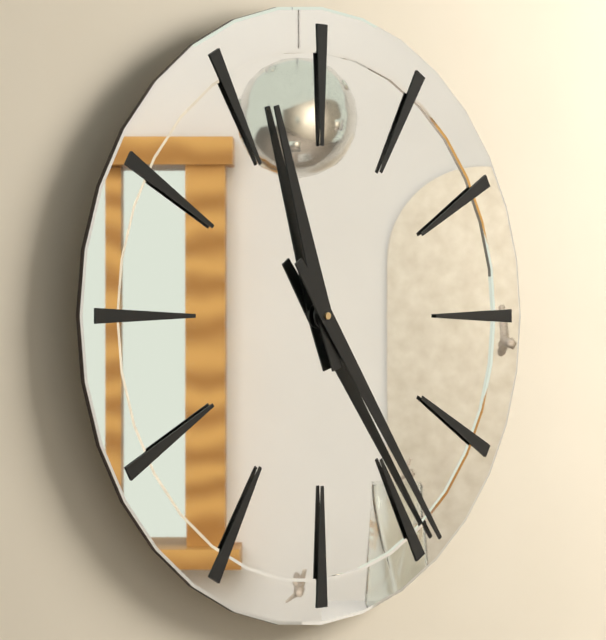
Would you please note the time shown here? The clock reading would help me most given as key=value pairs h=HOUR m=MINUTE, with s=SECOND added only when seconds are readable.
h=11 m=24
